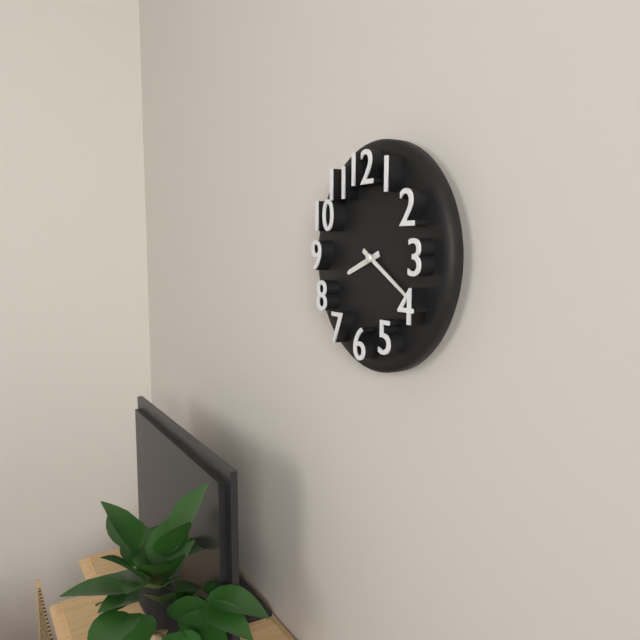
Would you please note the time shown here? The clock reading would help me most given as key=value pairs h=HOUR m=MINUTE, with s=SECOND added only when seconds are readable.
h=8 m=20
